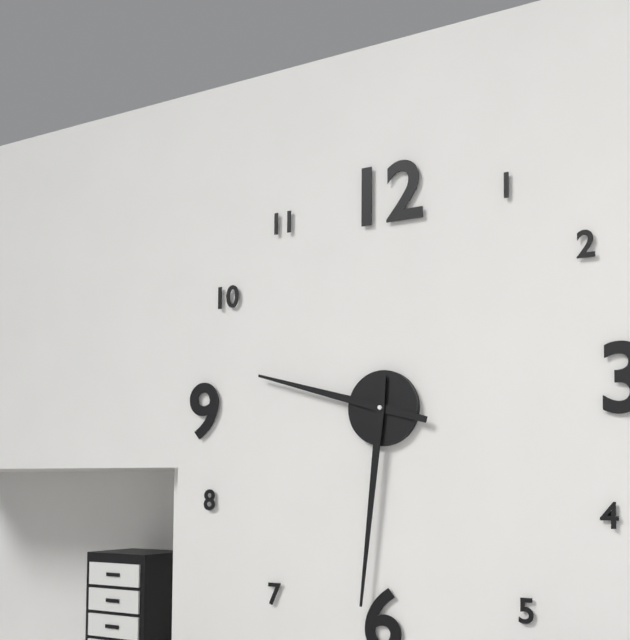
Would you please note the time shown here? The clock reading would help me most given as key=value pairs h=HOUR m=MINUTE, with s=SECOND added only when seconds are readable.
h=9 m=31
